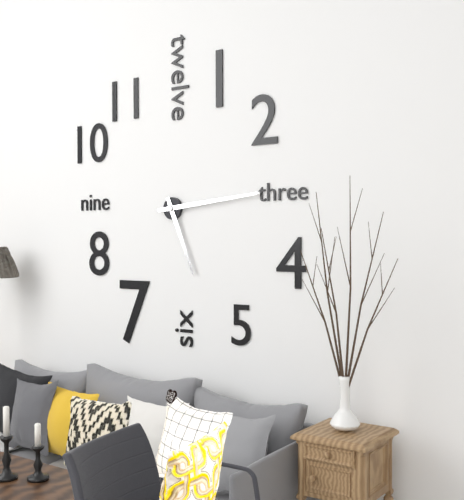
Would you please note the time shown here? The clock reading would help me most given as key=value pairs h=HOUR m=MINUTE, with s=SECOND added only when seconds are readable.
h=5 m=14
